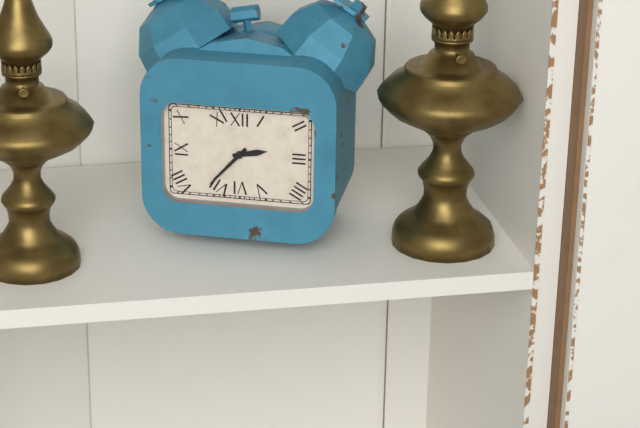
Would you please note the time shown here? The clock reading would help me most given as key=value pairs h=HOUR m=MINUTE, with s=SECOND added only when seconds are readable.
h=2 m=37
